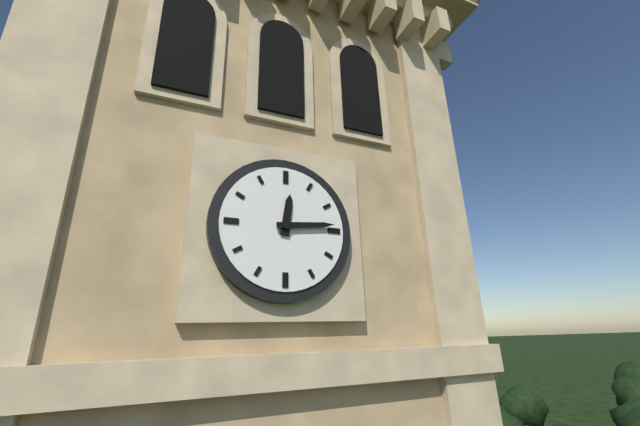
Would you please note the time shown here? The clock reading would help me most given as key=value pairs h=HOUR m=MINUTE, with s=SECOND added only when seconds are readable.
h=12 m=14
